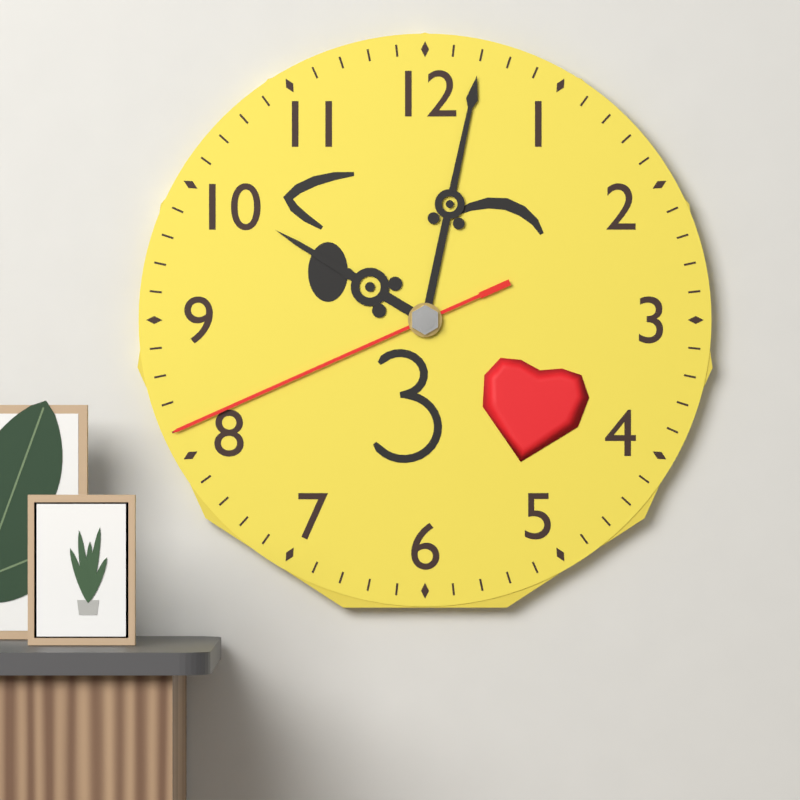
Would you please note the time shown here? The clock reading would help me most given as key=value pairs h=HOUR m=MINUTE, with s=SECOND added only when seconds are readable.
h=10 m=2 s=41
